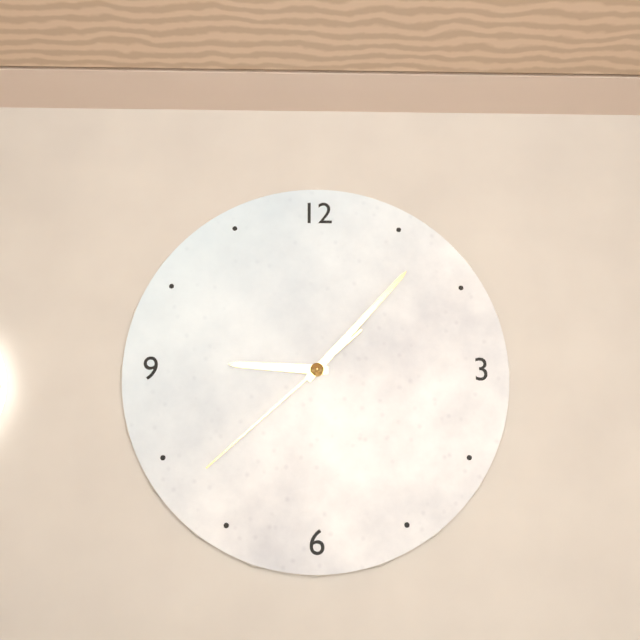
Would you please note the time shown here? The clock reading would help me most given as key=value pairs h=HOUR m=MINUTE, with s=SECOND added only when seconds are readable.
h=9 m=7 s=38
